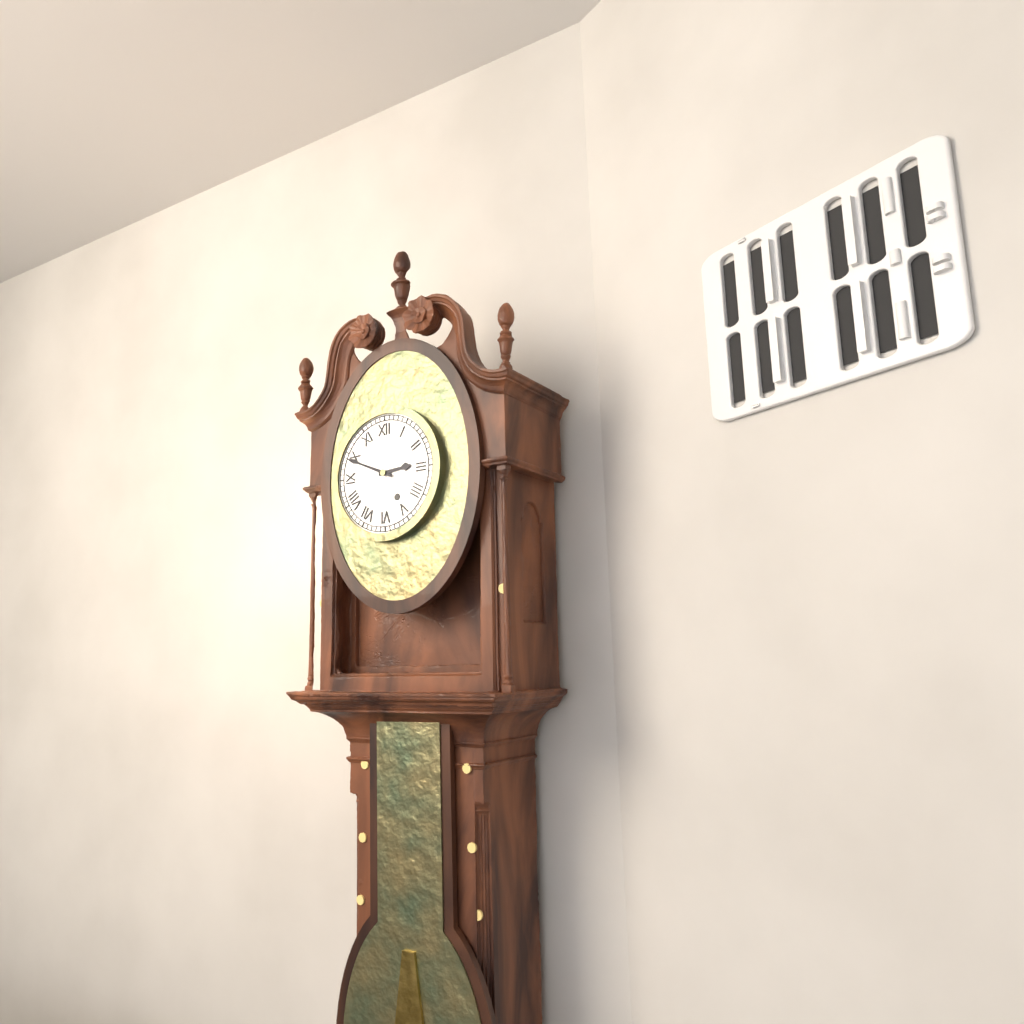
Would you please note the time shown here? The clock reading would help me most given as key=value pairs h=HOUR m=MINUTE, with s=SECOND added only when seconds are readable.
h=2 m=49
